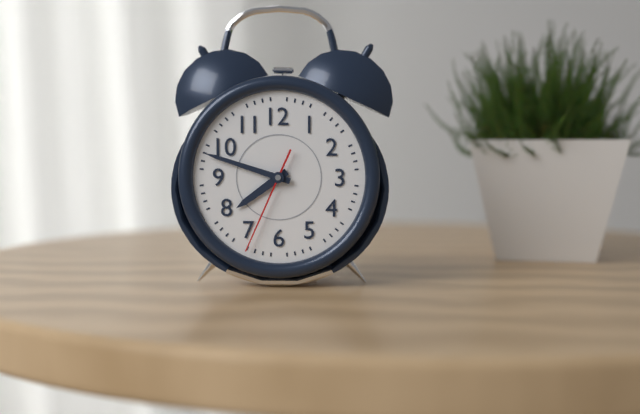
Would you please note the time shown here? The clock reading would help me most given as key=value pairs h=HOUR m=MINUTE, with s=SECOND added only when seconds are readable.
h=7 m=48 s=34
